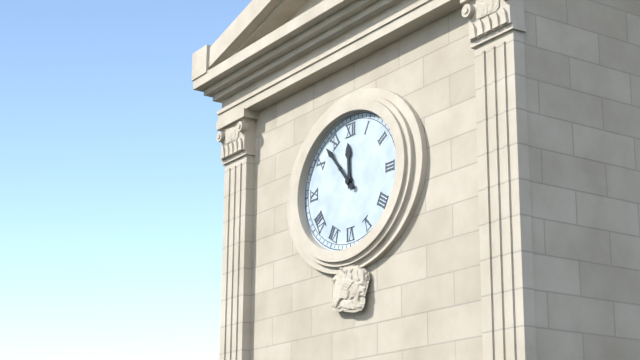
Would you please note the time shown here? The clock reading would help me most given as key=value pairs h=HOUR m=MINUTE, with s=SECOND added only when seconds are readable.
h=11 m=53
